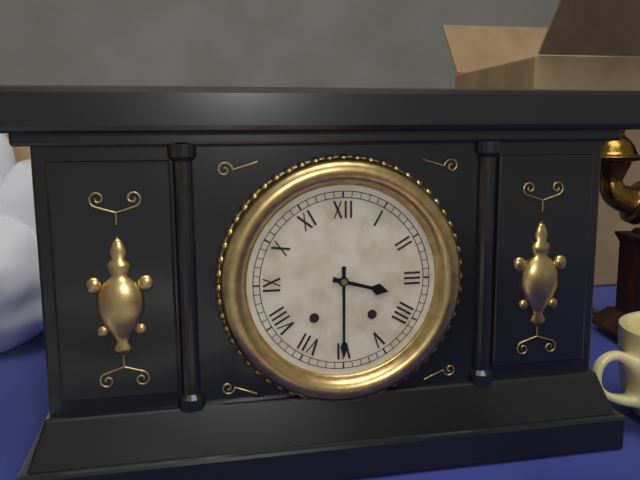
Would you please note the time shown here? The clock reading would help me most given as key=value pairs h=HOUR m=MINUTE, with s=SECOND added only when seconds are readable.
h=3 m=30
